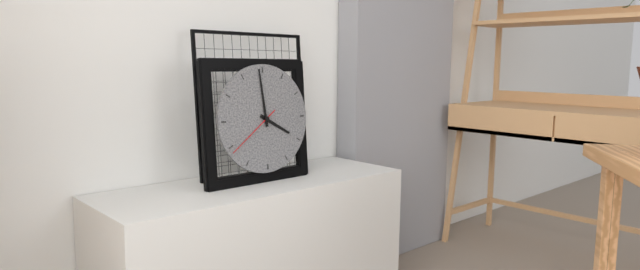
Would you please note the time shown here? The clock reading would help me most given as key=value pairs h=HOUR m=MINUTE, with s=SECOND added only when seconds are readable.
h=3 m=59 s=39
